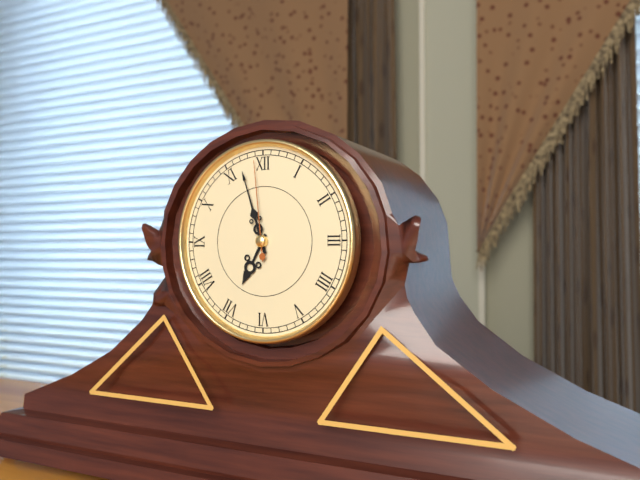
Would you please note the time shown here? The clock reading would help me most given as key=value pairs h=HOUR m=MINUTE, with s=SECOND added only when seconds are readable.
h=6 m=57 s=59
